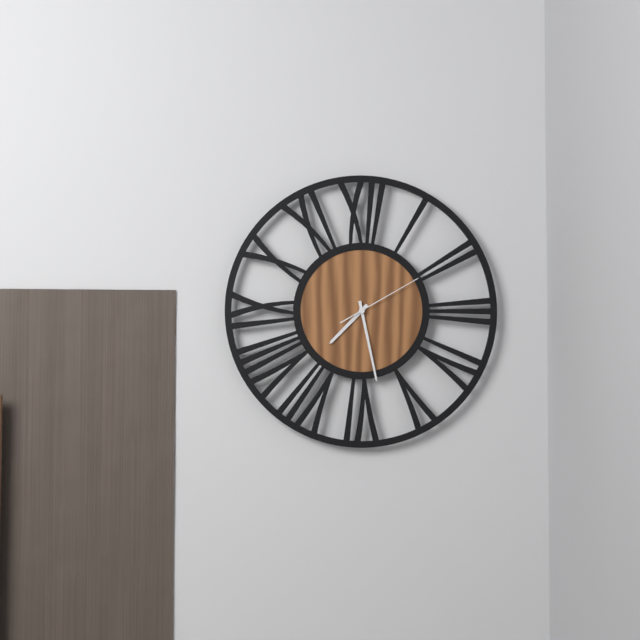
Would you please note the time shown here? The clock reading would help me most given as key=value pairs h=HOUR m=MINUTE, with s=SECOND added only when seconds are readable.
h=7 m=28 s=10
